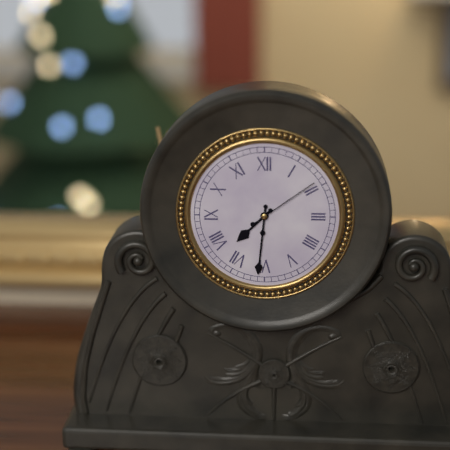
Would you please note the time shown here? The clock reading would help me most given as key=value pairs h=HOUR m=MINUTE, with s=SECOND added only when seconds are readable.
h=7 m=31 s=9
